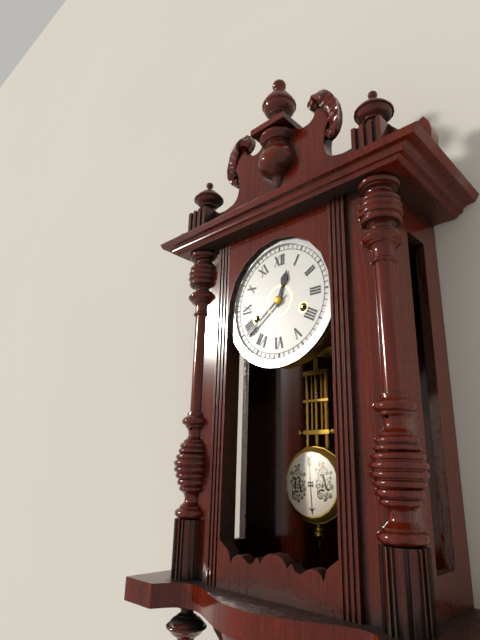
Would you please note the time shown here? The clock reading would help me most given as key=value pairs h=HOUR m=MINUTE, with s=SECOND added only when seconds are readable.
h=12 m=39
